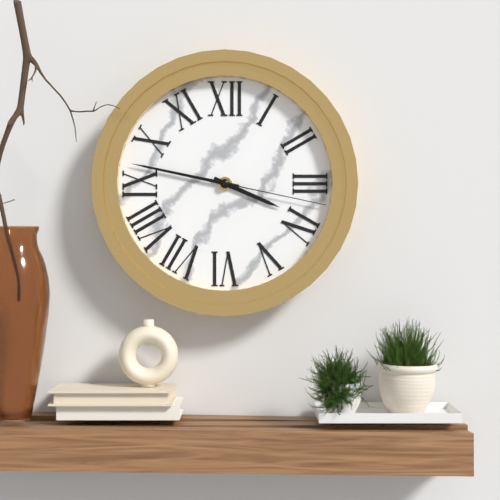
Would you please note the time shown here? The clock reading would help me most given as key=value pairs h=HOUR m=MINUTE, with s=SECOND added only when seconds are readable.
h=3 m=47 s=17
